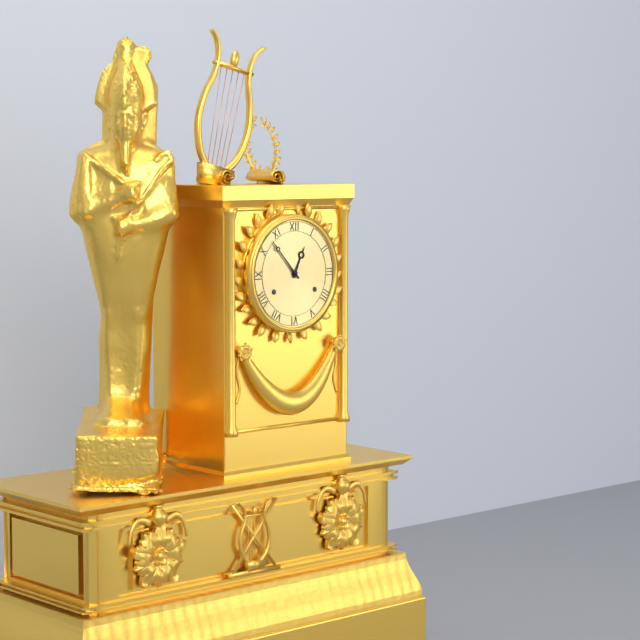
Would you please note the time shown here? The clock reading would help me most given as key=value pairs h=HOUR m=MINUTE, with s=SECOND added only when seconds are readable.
h=12 m=53
